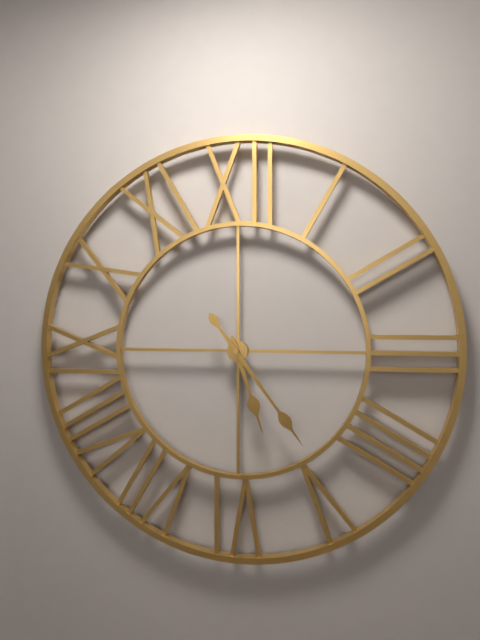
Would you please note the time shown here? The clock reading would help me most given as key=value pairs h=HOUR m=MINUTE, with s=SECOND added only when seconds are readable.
h=5 m=24
